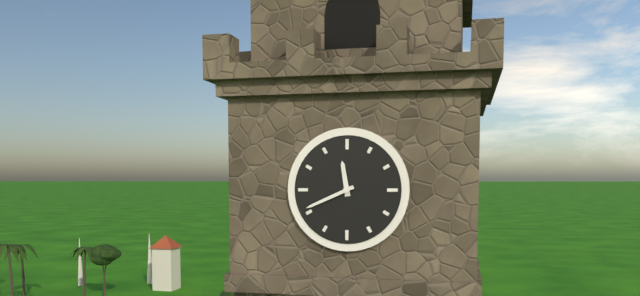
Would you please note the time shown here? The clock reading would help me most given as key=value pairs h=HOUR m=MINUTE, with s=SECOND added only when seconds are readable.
h=11 m=41
